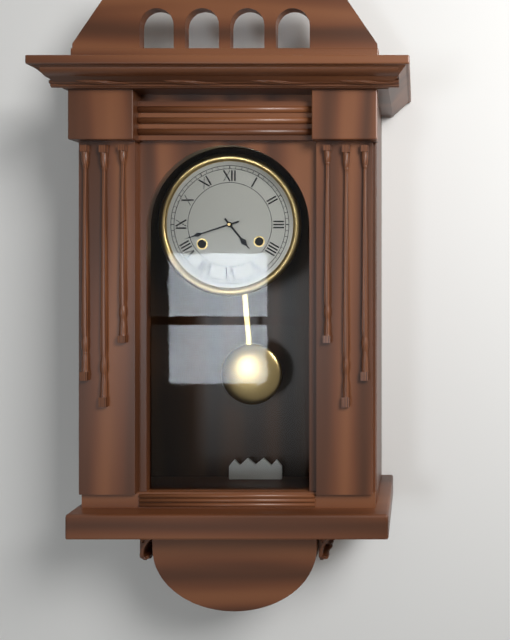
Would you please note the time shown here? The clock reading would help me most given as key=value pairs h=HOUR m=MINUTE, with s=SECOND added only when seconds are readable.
h=4 m=42
